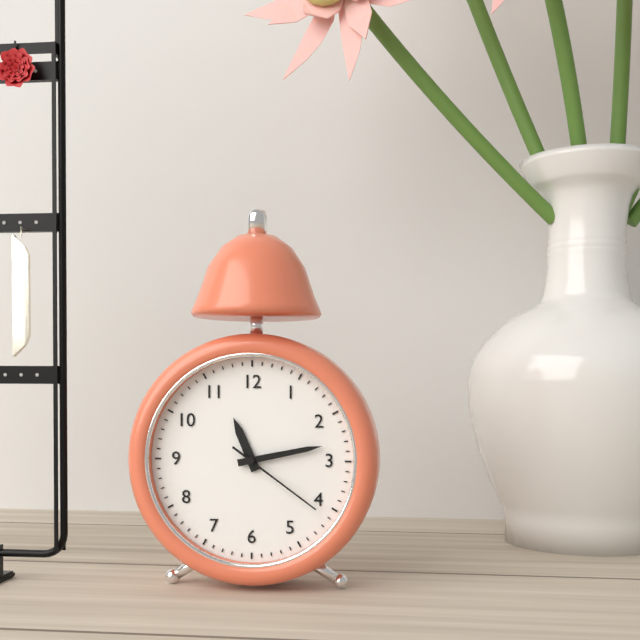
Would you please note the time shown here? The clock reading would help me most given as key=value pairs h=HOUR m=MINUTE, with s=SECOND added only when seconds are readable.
h=11 m=13 s=21
